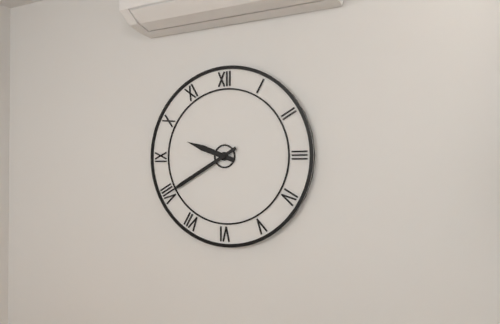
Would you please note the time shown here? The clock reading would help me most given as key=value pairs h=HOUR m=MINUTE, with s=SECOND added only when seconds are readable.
h=9 m=40
